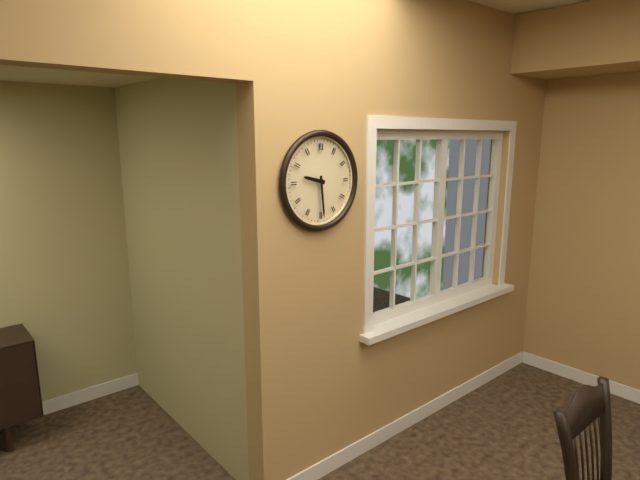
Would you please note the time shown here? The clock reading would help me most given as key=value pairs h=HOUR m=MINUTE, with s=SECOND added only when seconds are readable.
h=9 m=29
